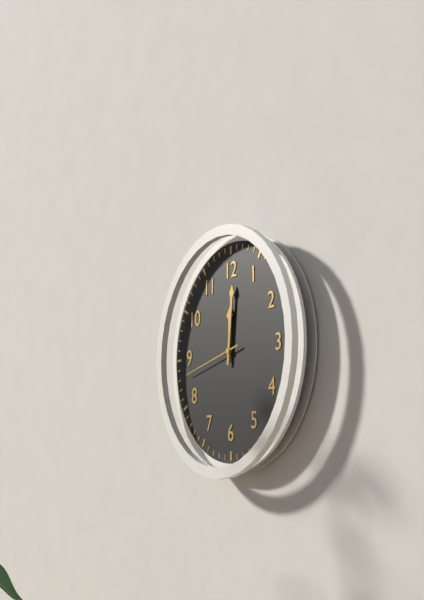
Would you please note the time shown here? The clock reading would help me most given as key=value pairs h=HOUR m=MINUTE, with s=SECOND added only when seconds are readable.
h=12 m=1 s=43
